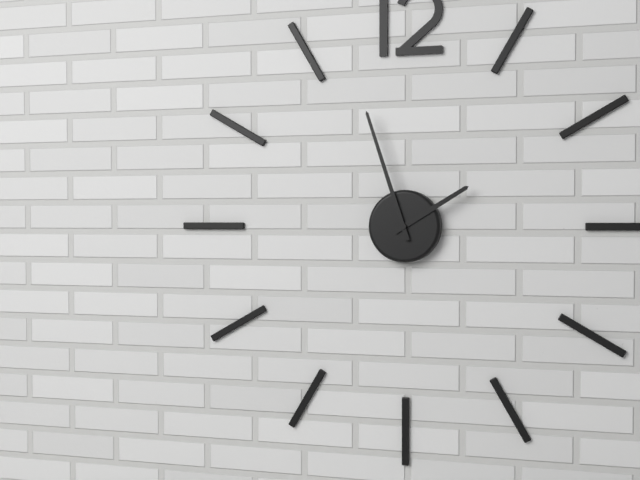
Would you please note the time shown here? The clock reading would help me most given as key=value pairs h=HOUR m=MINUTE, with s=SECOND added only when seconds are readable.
h=1 m=57
